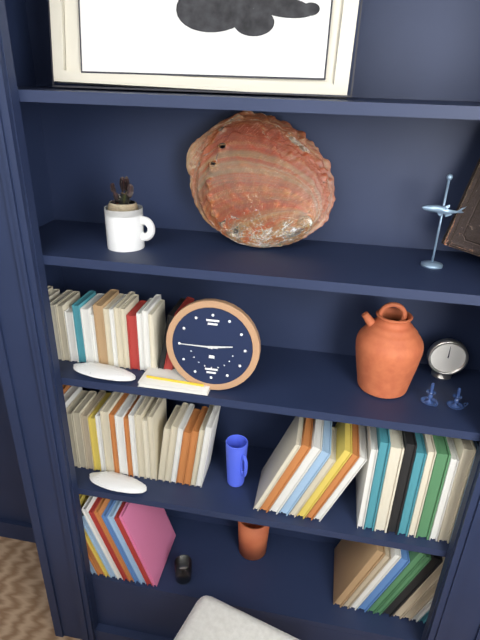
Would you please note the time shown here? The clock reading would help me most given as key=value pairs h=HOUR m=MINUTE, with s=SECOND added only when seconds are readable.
h=2 m=45
